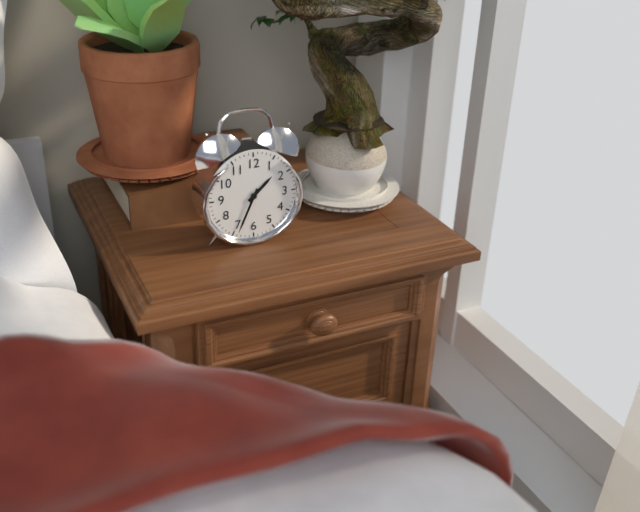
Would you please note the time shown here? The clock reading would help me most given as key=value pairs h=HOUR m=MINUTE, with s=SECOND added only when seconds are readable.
h=1 m=34
